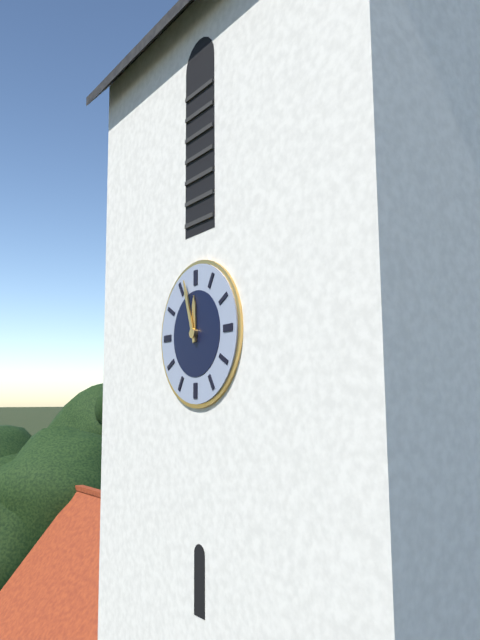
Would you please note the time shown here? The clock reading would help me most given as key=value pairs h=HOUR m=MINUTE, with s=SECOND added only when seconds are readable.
h=11 m=57
